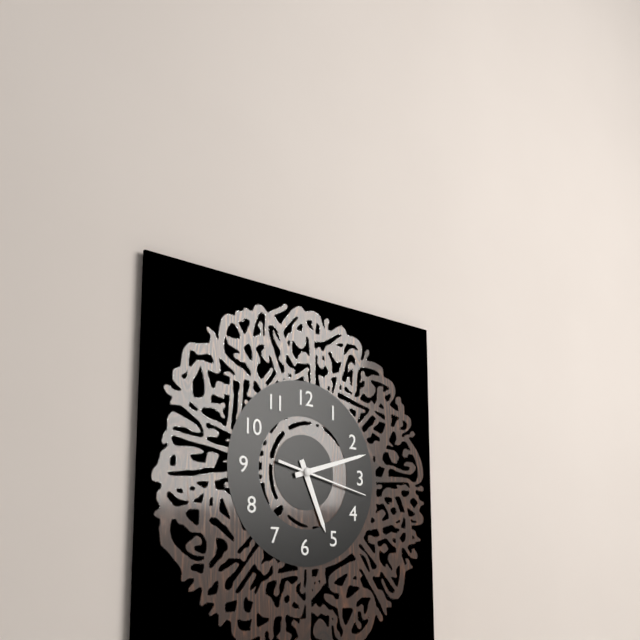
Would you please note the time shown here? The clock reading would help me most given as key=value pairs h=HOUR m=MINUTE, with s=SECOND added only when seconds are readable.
h=5 m=12 s=17
